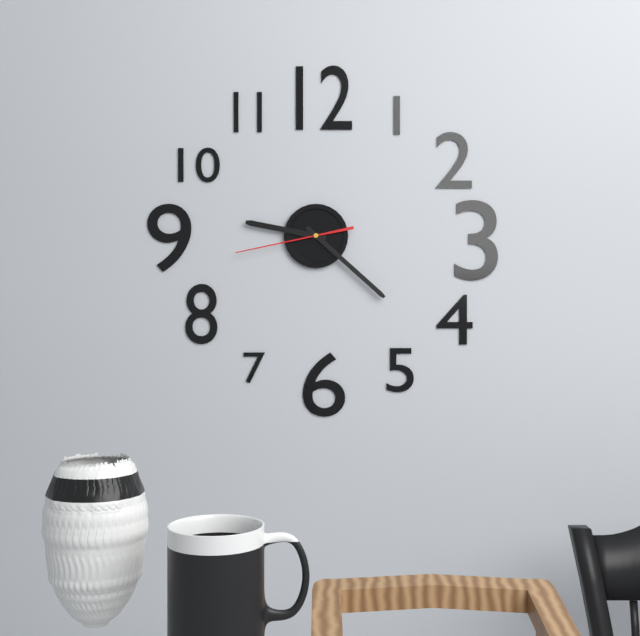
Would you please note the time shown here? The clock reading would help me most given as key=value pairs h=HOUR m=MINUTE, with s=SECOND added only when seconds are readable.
h=9 m=22 s=43
